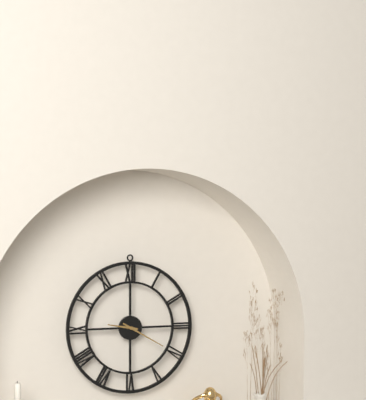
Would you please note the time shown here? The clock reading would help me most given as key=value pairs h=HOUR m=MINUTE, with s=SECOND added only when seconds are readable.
h=9 m=20
